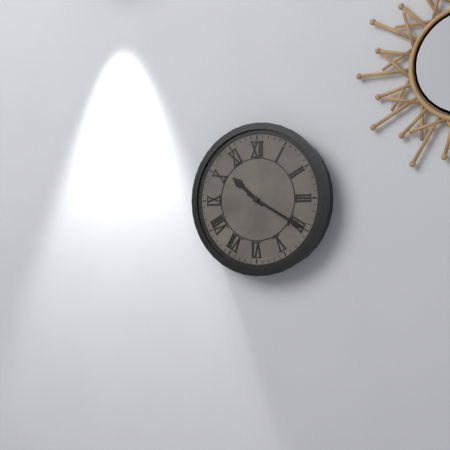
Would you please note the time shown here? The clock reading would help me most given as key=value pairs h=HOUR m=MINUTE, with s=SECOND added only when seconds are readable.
h=10 m=20
